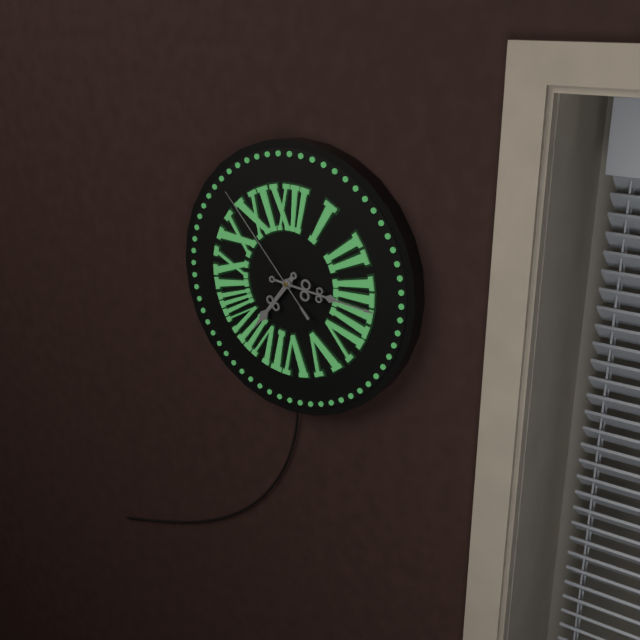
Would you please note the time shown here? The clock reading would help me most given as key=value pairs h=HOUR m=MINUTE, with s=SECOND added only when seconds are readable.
h=7 m=16 s=53
